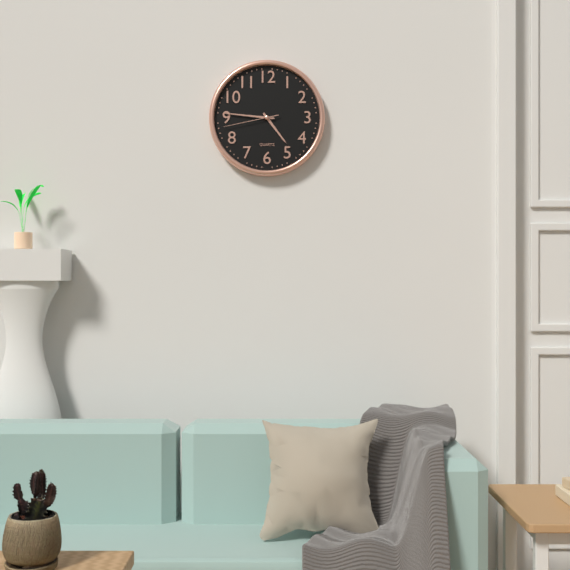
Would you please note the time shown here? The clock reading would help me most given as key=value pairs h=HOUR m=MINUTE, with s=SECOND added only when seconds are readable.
h=4 m=46 s=43
